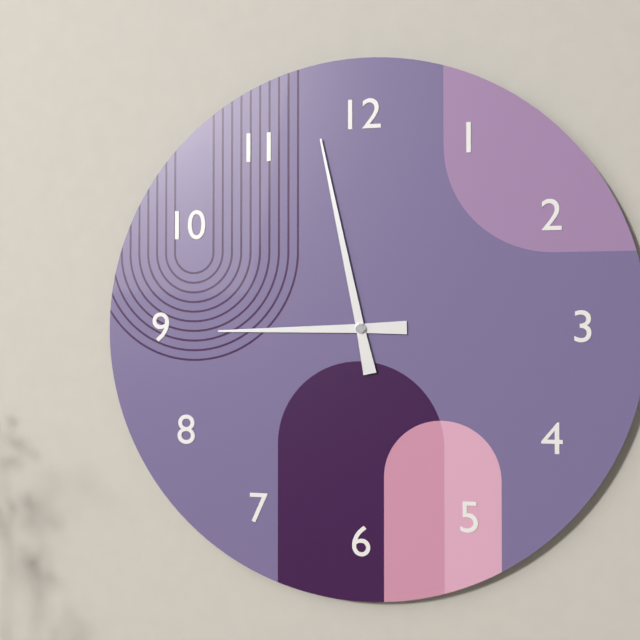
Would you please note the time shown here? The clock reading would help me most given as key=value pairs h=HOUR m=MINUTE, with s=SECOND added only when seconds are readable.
h=8 m=58
